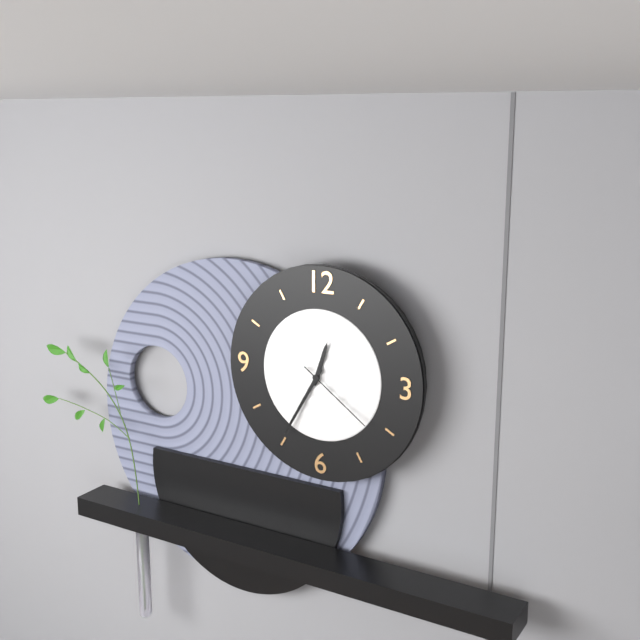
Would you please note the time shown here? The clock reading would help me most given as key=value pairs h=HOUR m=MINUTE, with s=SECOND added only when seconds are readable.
h=12 m=35 s=21
